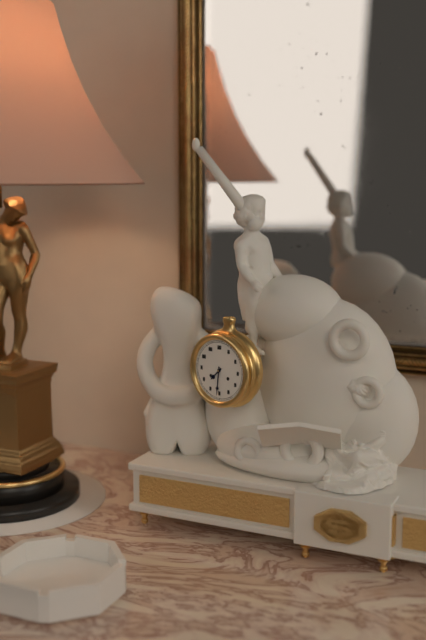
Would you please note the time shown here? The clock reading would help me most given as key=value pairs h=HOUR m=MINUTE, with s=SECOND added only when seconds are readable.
h=7 m=31
